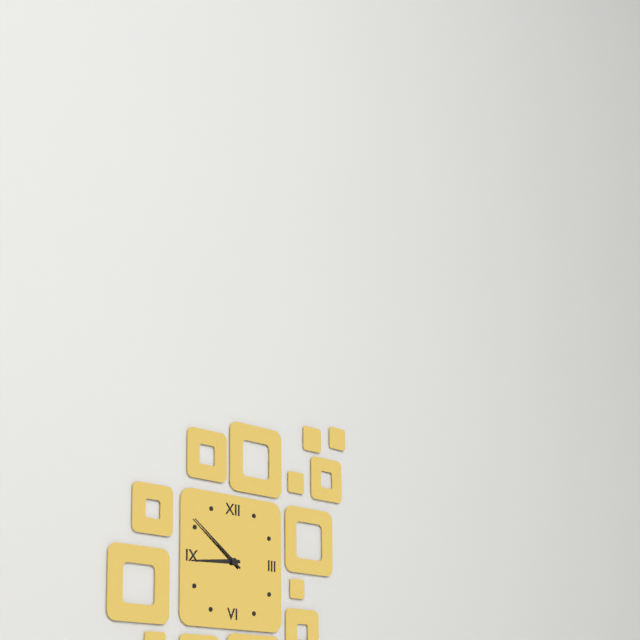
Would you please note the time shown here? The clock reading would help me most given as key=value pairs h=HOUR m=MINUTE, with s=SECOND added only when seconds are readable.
h=8 m=51
